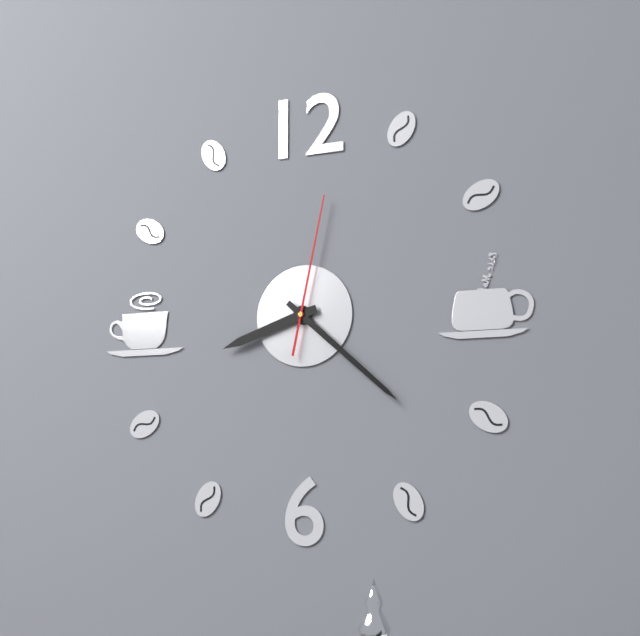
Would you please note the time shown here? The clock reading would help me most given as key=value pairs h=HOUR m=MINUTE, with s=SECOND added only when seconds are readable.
h=8 m=22 s=2
